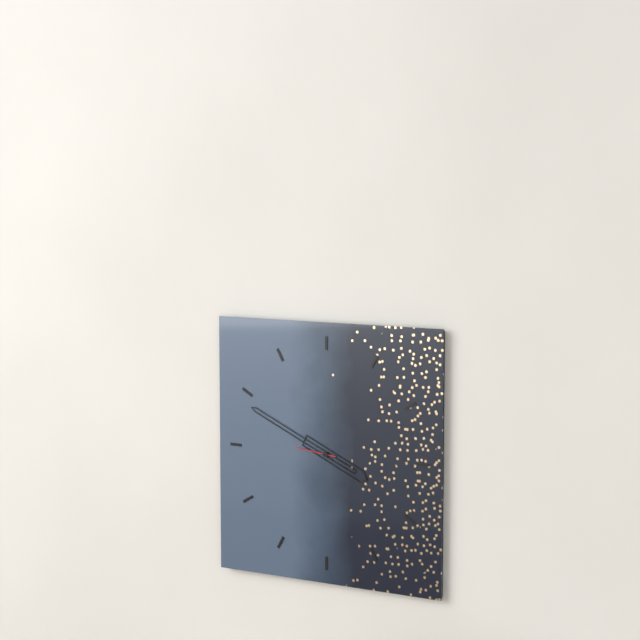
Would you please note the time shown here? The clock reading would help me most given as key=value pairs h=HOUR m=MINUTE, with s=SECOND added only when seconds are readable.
h=3 m=49
